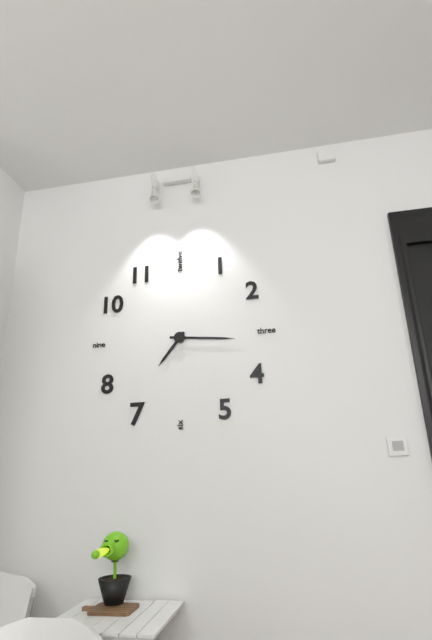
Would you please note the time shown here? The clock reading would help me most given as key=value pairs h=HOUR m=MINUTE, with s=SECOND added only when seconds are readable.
h=7 m=16
